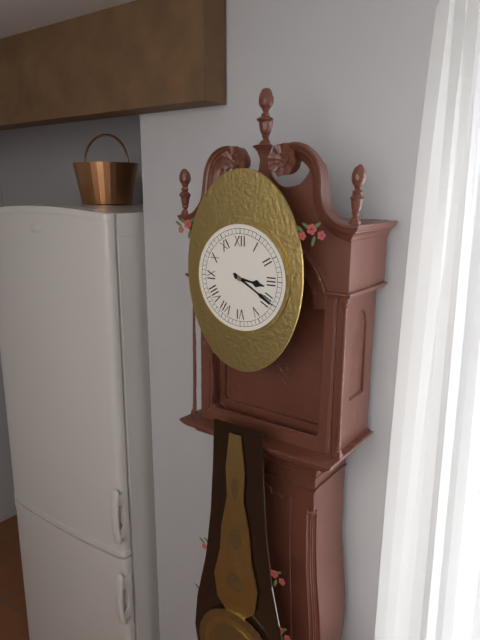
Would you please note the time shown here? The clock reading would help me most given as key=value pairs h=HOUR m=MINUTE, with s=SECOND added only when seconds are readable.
h=3 m=20
